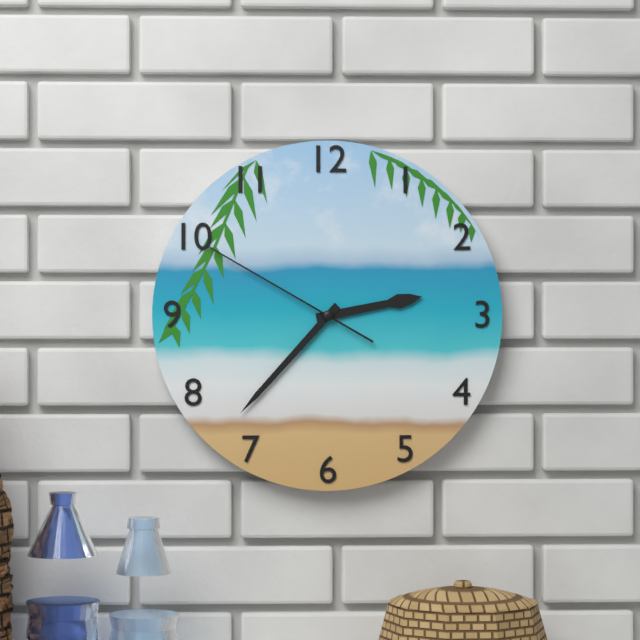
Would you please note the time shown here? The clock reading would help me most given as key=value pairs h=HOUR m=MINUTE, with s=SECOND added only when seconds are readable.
h=2 m=37 s=50
